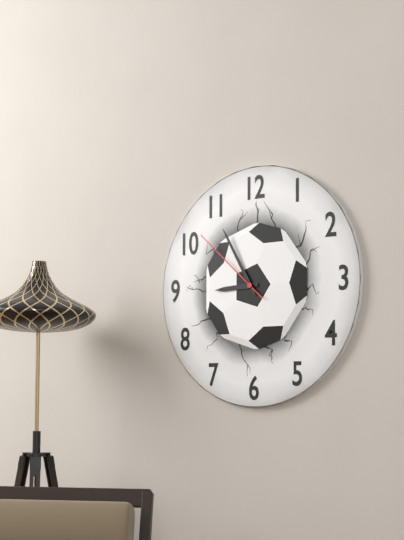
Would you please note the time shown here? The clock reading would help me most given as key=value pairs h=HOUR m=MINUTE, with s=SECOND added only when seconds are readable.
h=8 m=55 s=52
